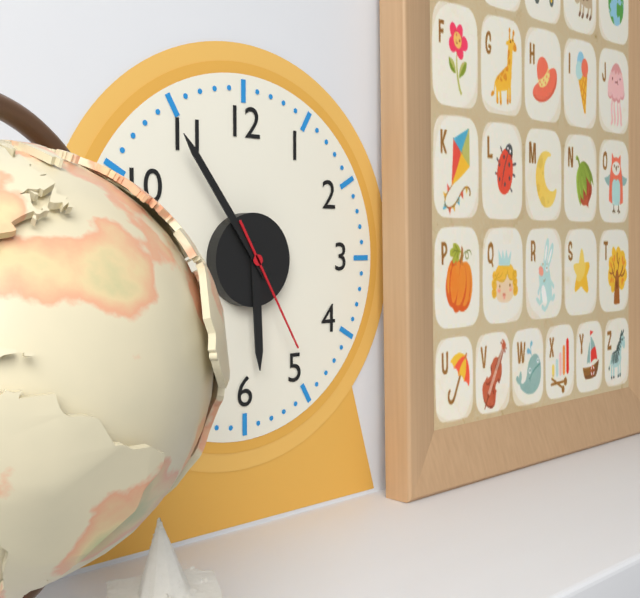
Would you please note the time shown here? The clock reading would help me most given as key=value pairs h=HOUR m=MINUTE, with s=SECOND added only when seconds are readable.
h=5 m=54 s=25
